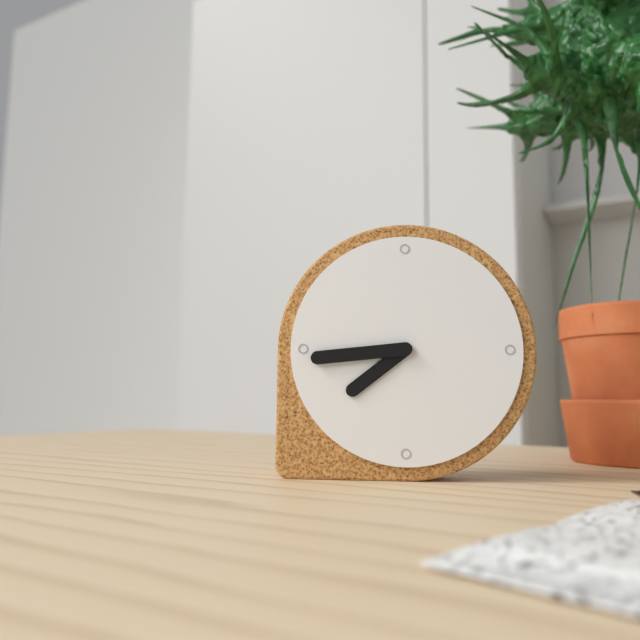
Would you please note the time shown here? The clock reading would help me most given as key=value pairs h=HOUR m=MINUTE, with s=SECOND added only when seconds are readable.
h=7 m=44
